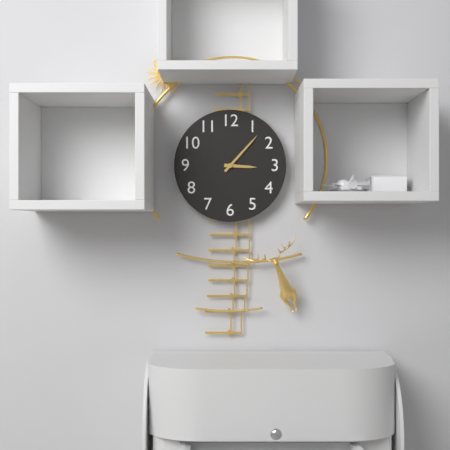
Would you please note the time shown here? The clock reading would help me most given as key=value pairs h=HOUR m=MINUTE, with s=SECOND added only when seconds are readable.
h=3 m=7
